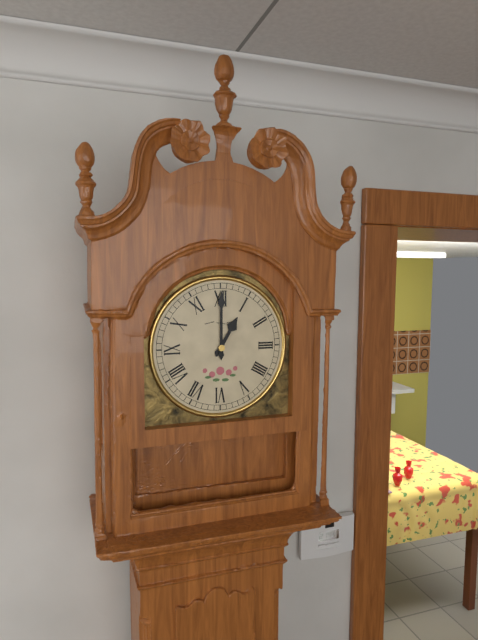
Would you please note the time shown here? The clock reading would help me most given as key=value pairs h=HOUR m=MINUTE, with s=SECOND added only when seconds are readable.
h=1 m=0
